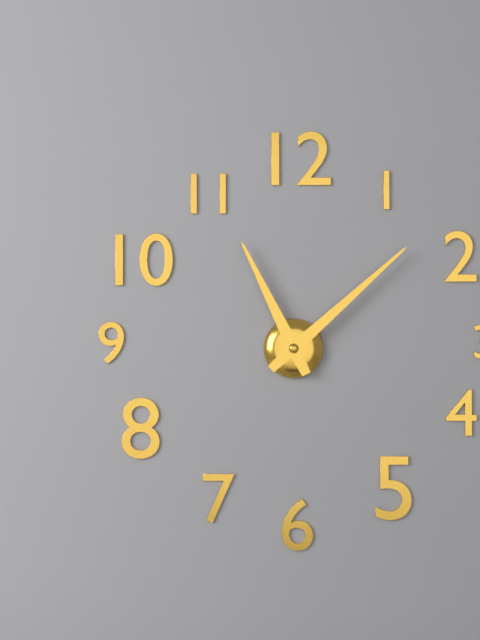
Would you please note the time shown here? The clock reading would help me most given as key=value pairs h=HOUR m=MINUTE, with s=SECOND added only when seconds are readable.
h=11 m=8
